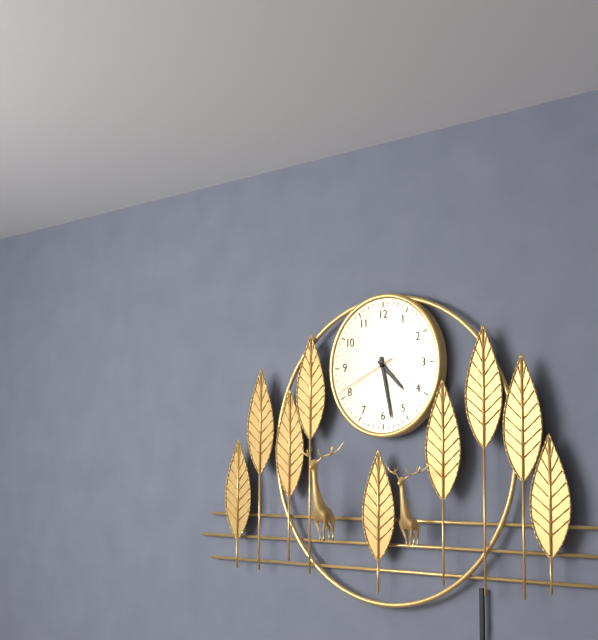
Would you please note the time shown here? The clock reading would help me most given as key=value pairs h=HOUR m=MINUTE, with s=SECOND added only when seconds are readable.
h=4 m=28 s=41
